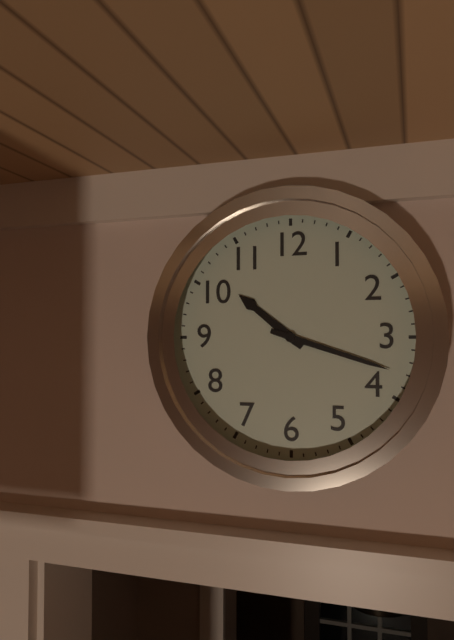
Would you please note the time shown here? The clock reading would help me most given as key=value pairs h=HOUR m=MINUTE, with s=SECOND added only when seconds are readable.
h=10 m=18
